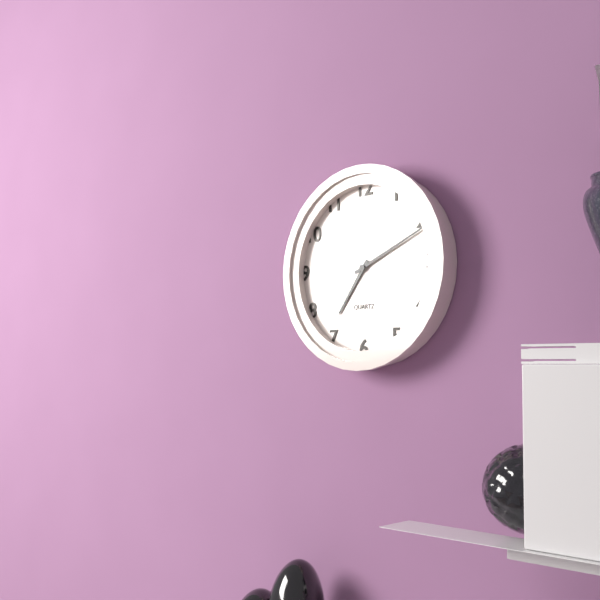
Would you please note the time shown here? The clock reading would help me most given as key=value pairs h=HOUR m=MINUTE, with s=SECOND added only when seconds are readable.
h=7 m=11
